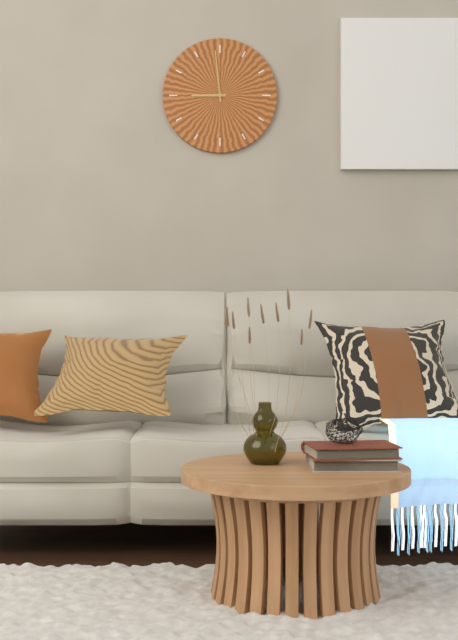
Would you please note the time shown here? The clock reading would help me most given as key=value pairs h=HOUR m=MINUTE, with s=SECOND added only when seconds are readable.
h=8 m=59
